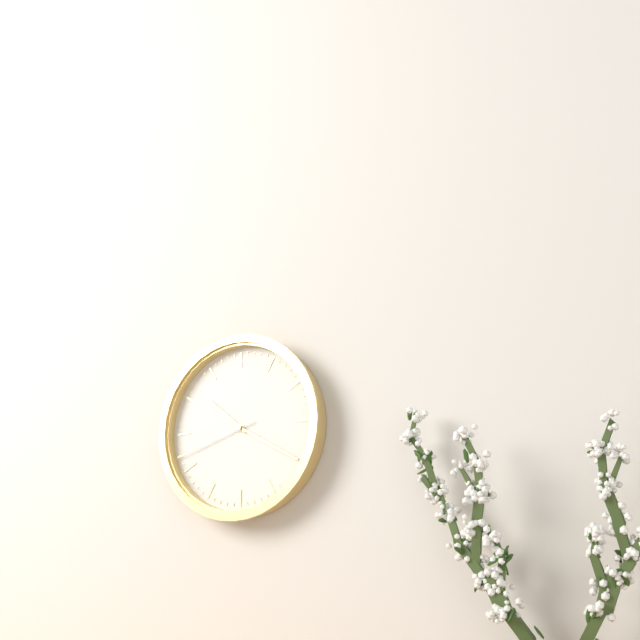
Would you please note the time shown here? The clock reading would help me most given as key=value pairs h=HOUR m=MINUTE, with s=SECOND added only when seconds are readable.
h=10 m=20 s=42
